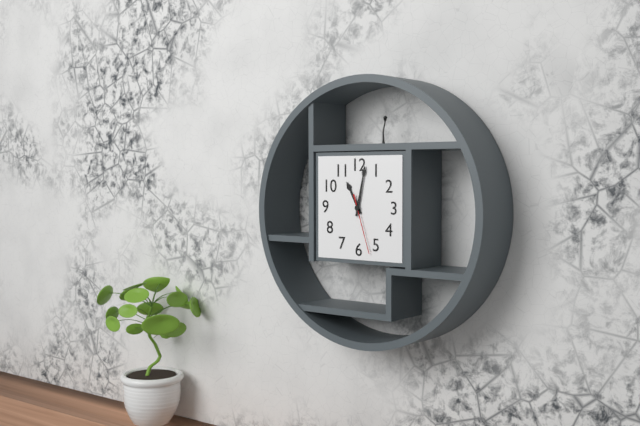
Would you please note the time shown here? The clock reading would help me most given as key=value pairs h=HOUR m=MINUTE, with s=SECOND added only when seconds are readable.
h=11 m=2 s=27
